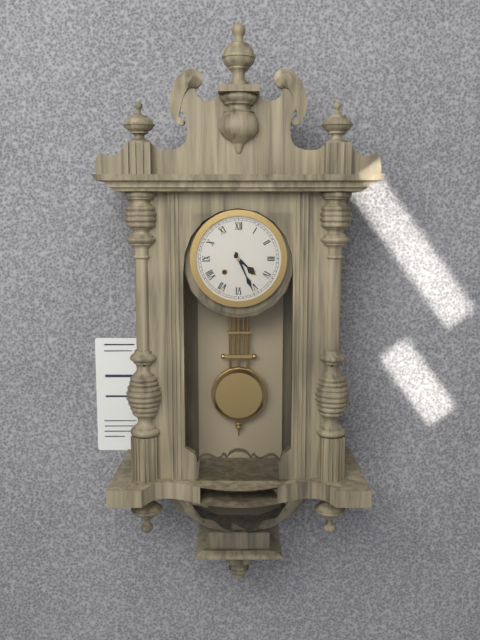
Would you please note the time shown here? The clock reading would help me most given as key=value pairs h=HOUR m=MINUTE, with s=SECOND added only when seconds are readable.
h=4 m=26
